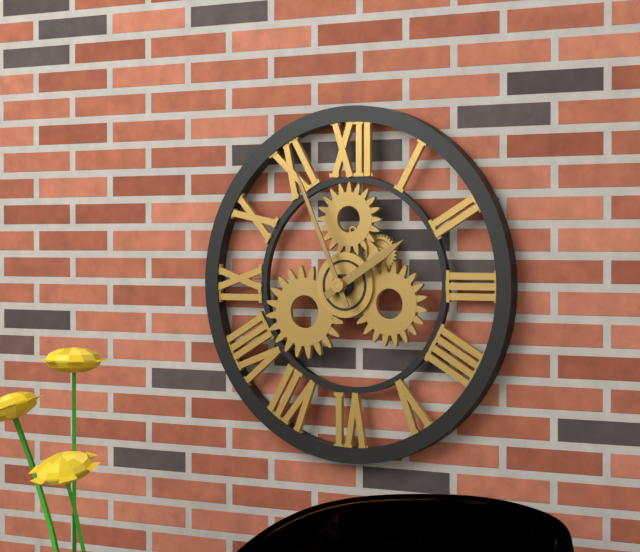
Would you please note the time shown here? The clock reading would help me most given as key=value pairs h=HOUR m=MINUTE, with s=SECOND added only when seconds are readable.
h=1 m=56
